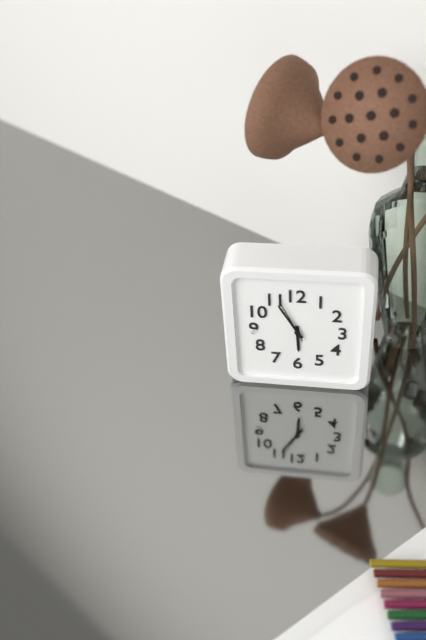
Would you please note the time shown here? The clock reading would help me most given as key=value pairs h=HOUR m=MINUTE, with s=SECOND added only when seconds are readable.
h=5 m=55
